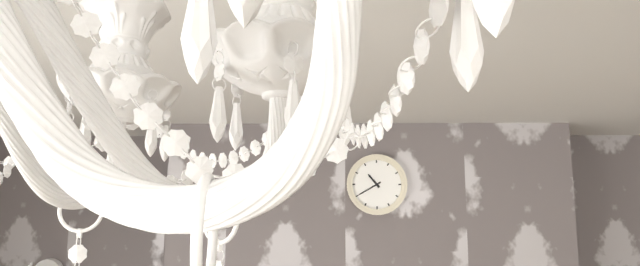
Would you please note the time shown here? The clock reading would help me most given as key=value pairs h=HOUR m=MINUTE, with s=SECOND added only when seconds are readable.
h=10 m=40
